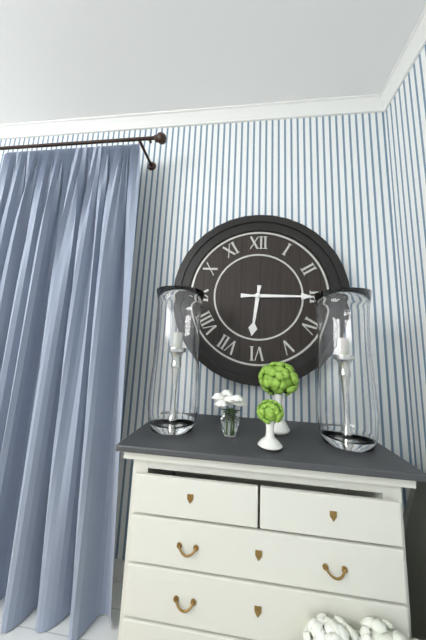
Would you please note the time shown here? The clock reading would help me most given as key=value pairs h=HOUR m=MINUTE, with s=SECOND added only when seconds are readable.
h=6 m=15
